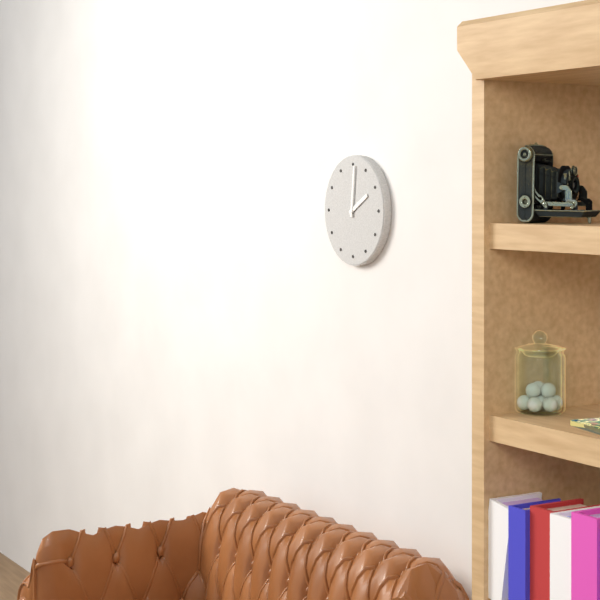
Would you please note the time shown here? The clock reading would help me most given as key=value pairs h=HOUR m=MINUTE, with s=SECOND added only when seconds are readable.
h=2 m=1
